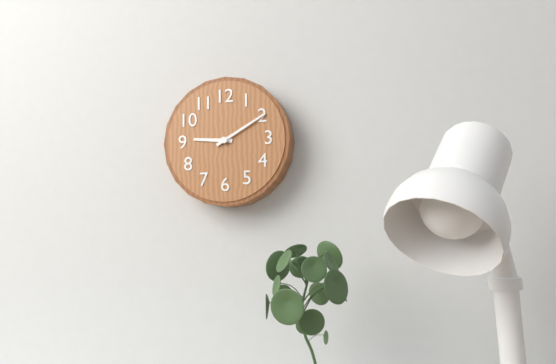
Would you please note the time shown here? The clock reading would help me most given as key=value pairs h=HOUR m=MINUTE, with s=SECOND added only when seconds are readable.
h=9 m=10
